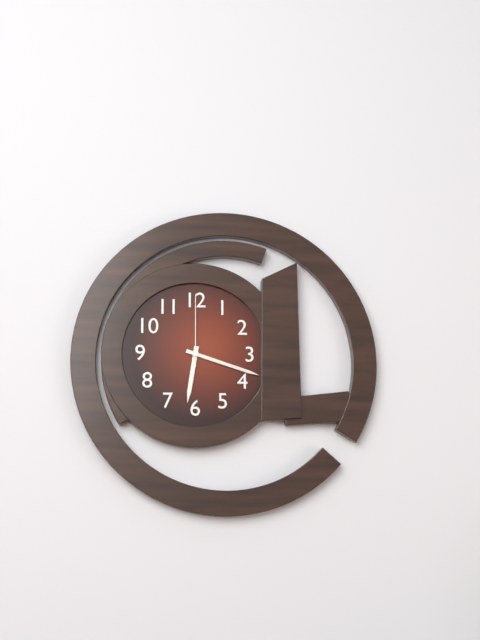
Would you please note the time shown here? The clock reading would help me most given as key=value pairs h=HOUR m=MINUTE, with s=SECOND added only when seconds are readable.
h=6 m=18 s=0
